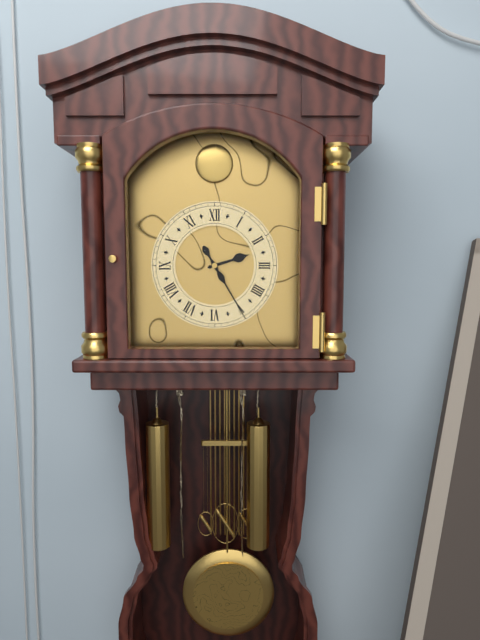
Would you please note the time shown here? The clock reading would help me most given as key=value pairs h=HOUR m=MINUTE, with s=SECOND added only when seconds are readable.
h=2 m=25
